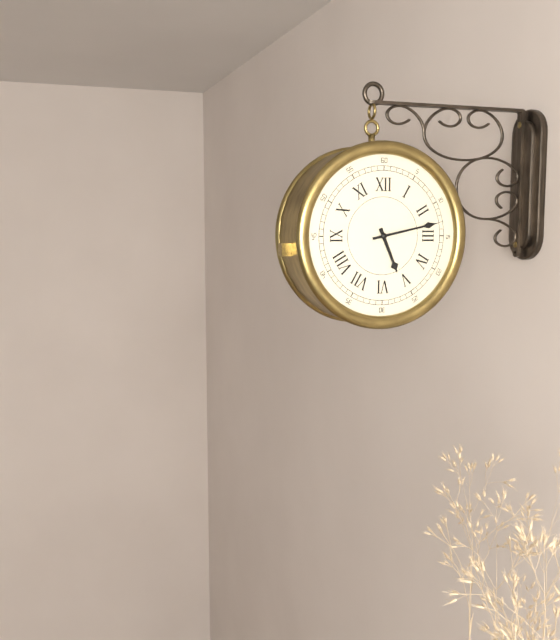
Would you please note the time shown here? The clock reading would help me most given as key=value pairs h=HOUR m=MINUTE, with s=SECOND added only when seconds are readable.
h=5 m=13
